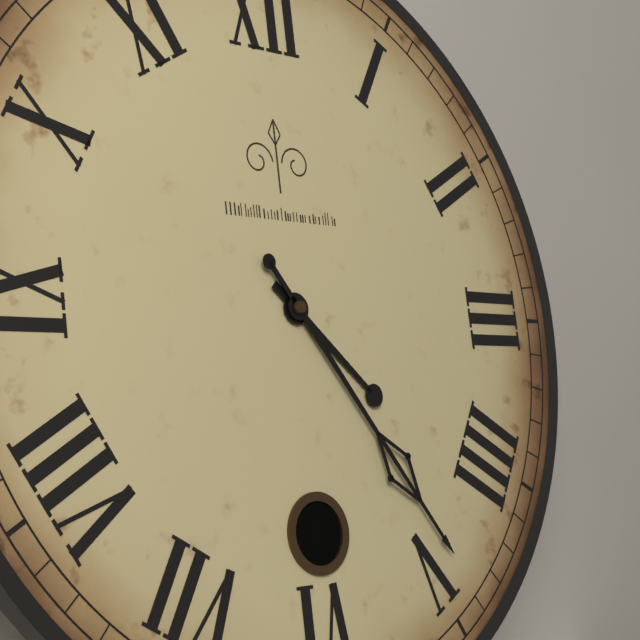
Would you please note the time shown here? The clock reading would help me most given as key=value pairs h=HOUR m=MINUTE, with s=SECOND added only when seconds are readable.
h=4 m=24
